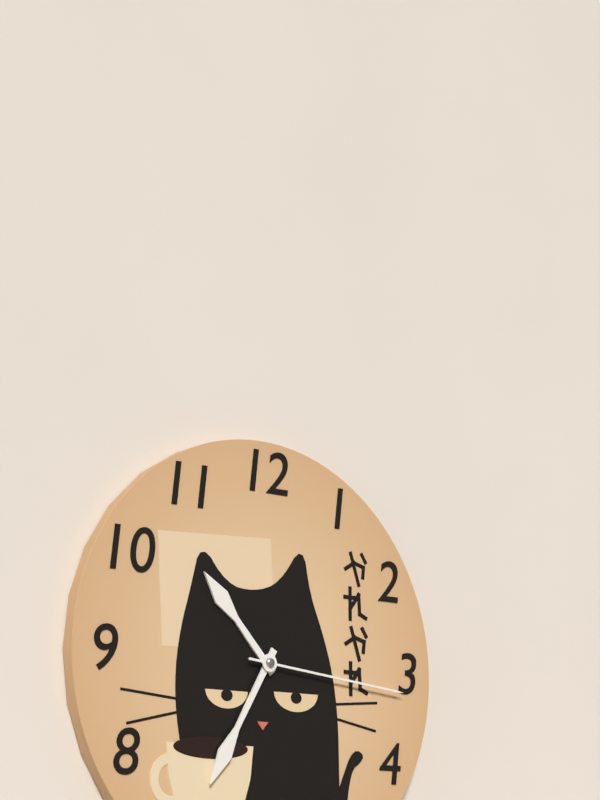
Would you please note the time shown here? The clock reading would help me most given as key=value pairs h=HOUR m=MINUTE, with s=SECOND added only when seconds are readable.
h=10 m=35 s=16
